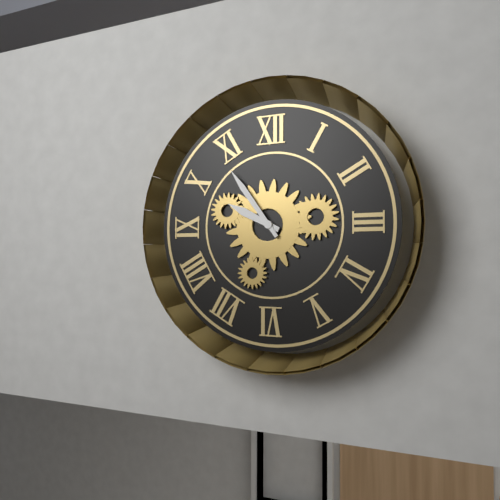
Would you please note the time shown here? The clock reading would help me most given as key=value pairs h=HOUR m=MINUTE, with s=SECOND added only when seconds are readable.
h=9 m=54
